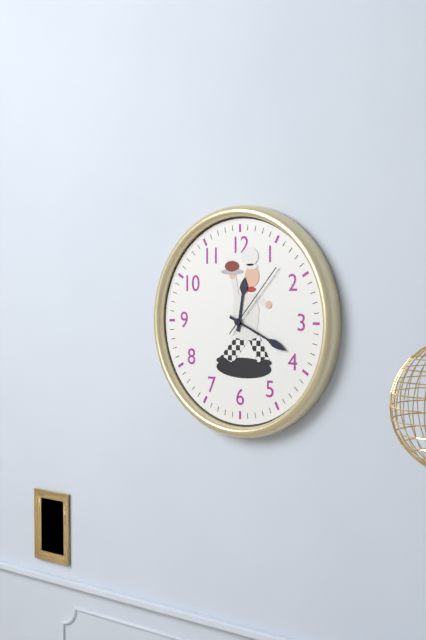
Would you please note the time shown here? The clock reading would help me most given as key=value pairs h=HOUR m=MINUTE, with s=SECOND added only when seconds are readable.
h=12 m=19 s=7
